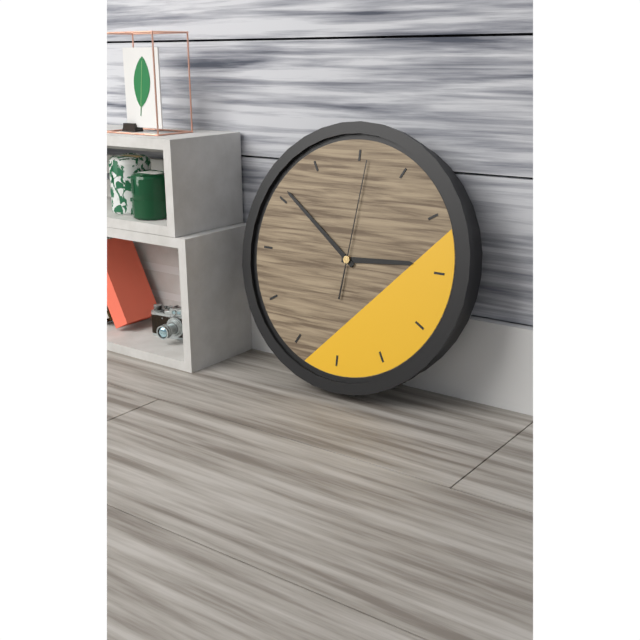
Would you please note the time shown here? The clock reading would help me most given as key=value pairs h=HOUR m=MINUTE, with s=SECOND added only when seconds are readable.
h=2 m=51 s=1
